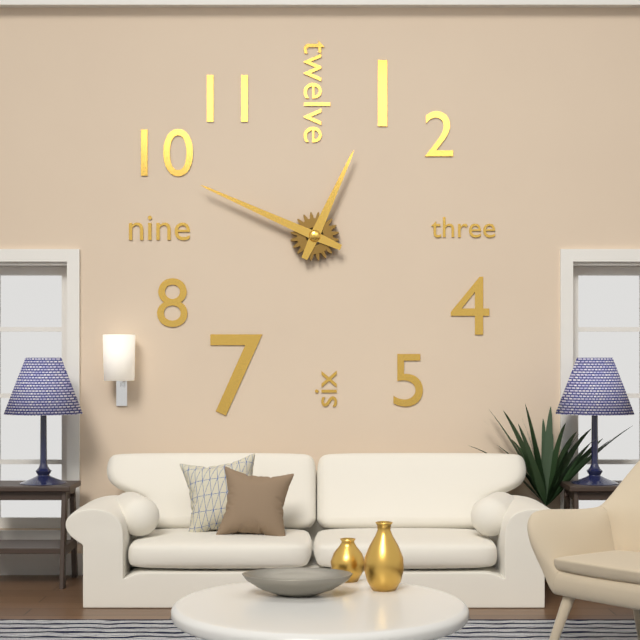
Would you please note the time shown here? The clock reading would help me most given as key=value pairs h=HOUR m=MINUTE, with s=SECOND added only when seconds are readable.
h=12 m=49
